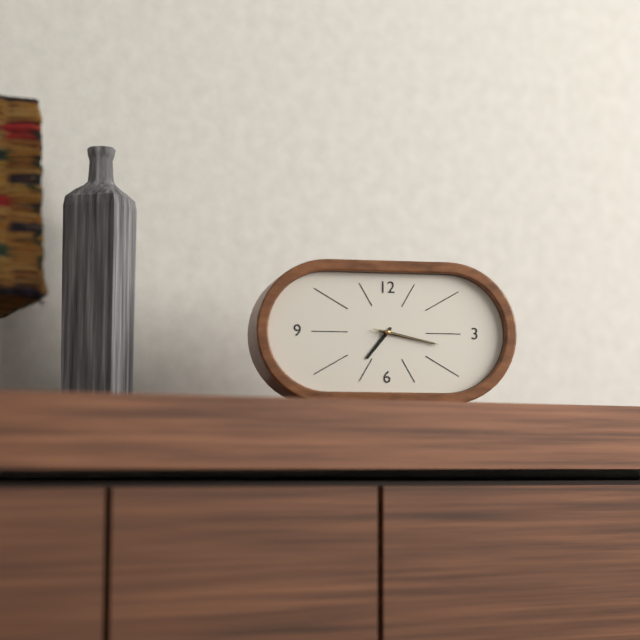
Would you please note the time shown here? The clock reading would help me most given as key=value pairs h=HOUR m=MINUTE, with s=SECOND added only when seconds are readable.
h=7 m=17 s=17
